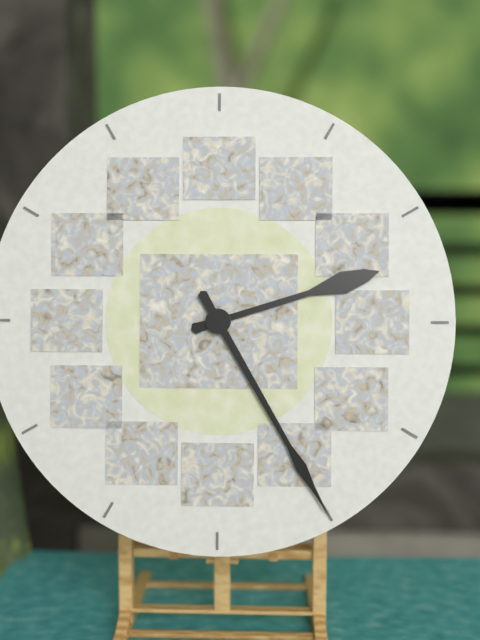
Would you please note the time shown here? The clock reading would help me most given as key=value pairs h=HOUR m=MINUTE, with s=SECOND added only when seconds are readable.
h=2 m=25
